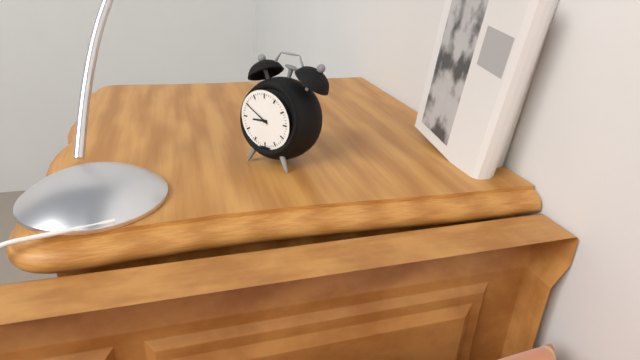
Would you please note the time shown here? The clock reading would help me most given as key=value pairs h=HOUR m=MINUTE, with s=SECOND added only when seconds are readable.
h=8 m=50
